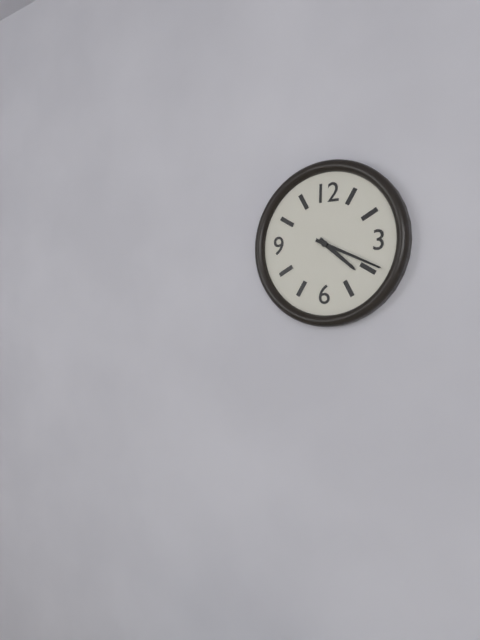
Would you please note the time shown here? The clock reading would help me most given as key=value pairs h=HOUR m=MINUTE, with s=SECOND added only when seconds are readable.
h=4 m=19
